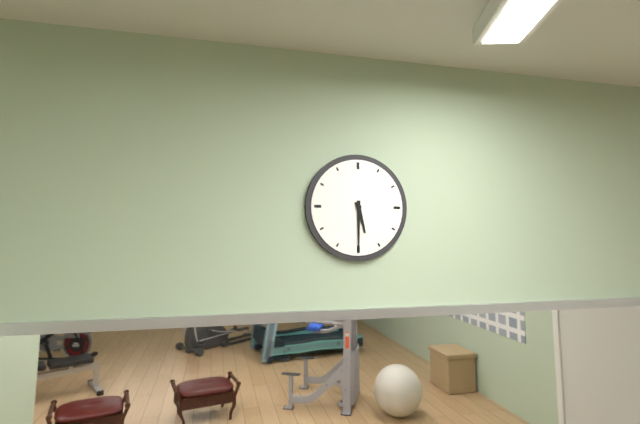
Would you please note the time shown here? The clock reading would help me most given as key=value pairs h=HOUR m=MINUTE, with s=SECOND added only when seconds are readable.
h=5 m=30
